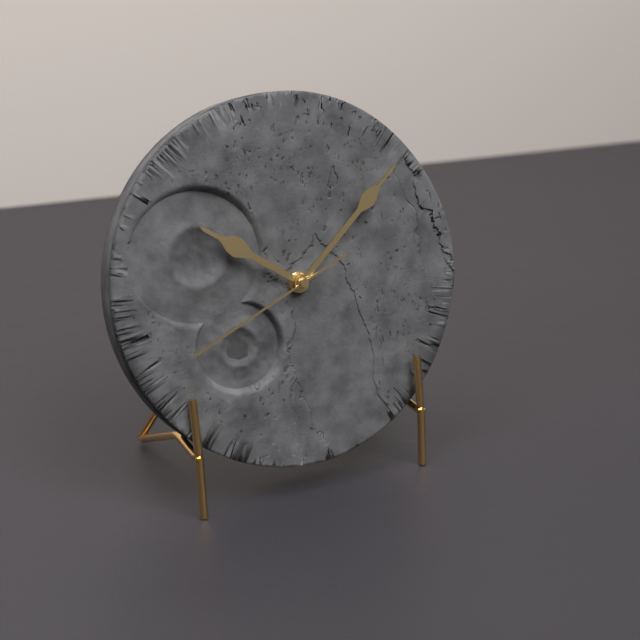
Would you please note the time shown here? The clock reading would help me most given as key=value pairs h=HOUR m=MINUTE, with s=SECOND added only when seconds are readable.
h=10 m=8 s=41
